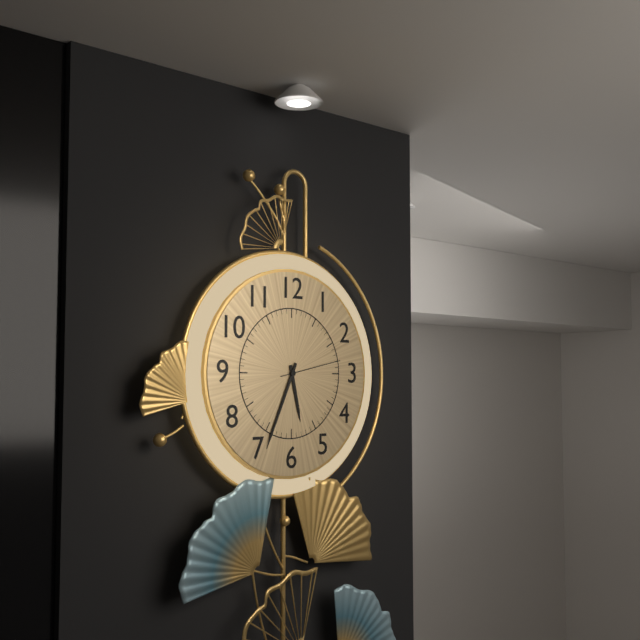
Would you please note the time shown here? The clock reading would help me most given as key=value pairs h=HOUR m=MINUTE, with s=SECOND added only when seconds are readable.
h=5 m=34 s=13
